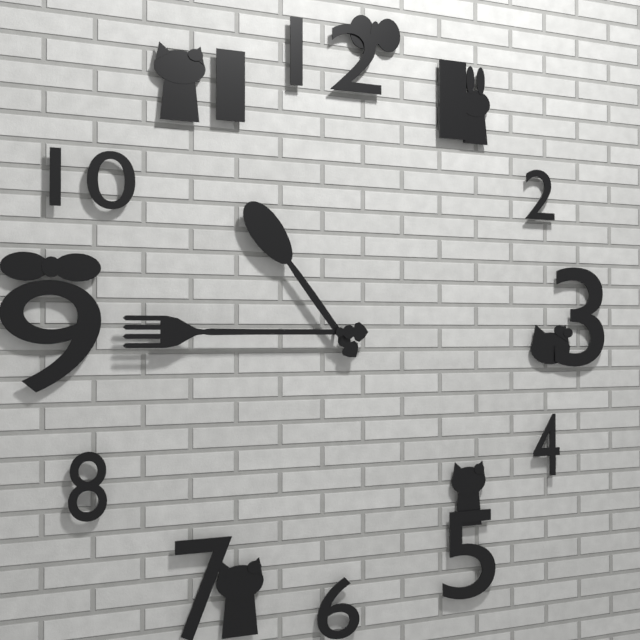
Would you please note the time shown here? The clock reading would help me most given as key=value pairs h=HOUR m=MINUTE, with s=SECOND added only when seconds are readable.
h=10 m=45
